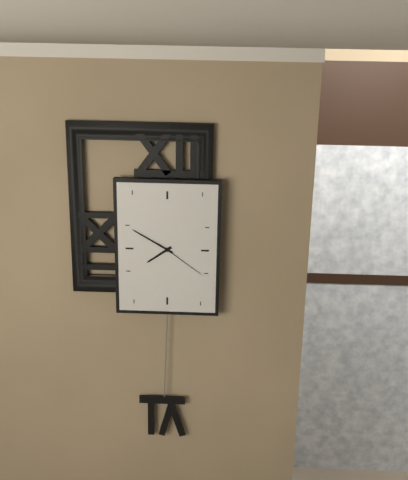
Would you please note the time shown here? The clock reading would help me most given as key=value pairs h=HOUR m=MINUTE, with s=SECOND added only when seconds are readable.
h=7 m=50 s=21
